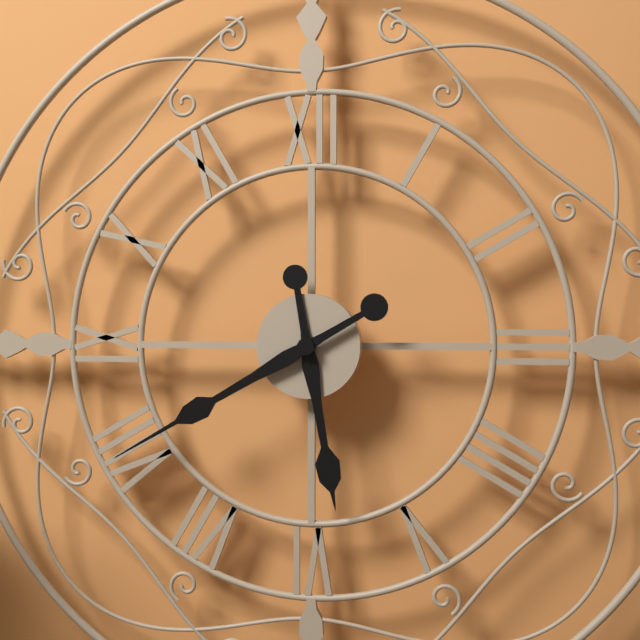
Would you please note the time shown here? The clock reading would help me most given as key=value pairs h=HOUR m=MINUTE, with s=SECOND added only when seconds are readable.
h=5 m=40
